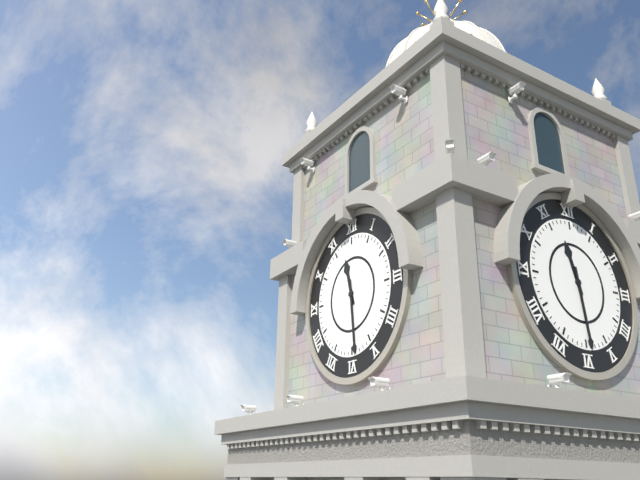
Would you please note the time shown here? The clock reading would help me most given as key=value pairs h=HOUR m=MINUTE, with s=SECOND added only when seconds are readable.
h=11 m=29
